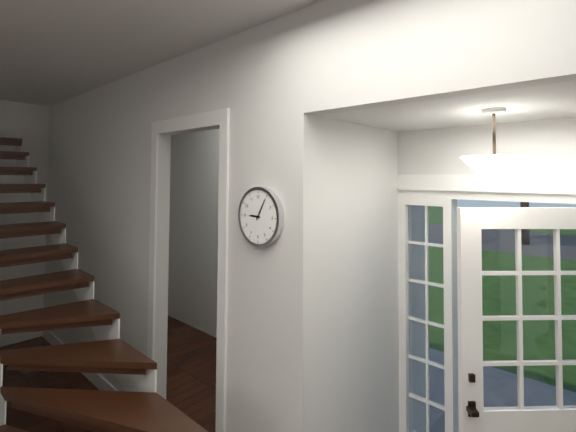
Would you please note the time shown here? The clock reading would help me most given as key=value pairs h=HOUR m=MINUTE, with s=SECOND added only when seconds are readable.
h=9 m=5
